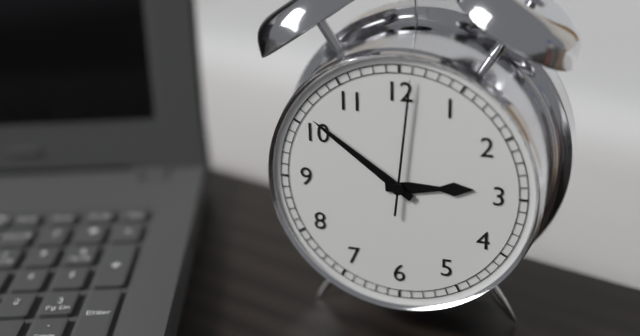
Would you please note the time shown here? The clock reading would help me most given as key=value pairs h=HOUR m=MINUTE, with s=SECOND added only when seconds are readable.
h=2 m=51 s=1
